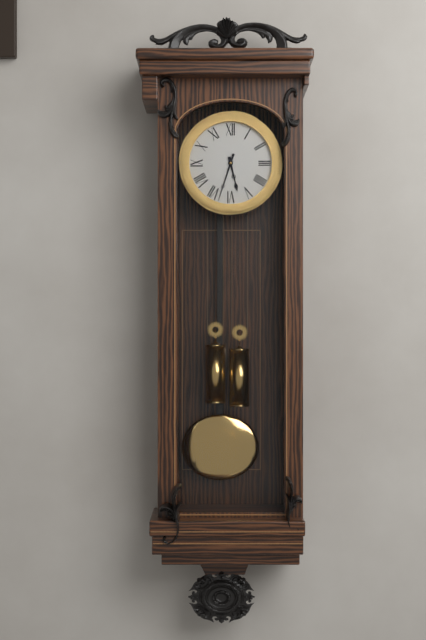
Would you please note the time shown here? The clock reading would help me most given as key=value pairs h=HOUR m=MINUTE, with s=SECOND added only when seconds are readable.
h=5 m=33
